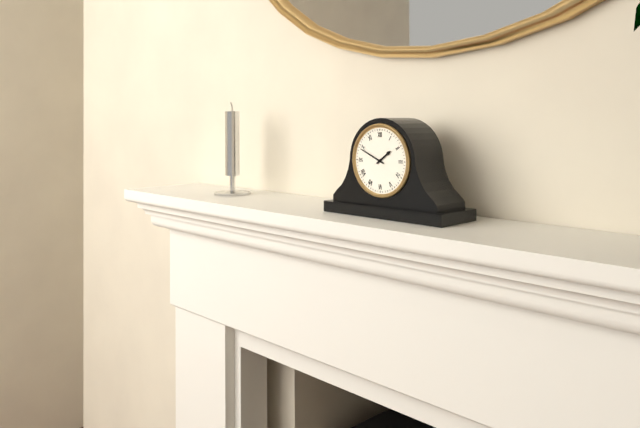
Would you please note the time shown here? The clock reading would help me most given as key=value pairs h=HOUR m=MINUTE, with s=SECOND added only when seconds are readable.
h=1 m=49
